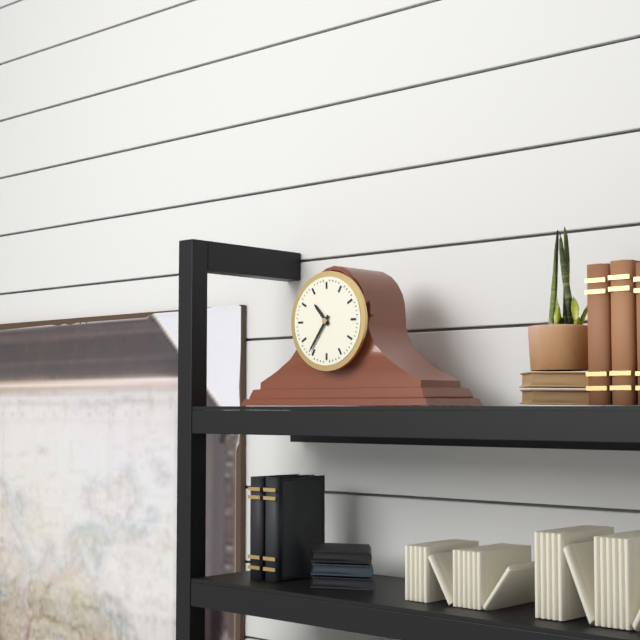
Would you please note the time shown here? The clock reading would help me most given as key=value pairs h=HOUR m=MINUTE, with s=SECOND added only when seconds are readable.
h=10 m=36
